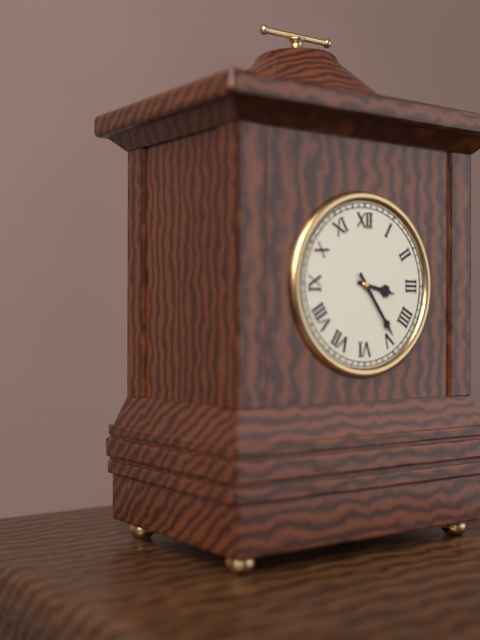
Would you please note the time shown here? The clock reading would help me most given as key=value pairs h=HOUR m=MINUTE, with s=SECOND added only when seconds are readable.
h=3 m=24
